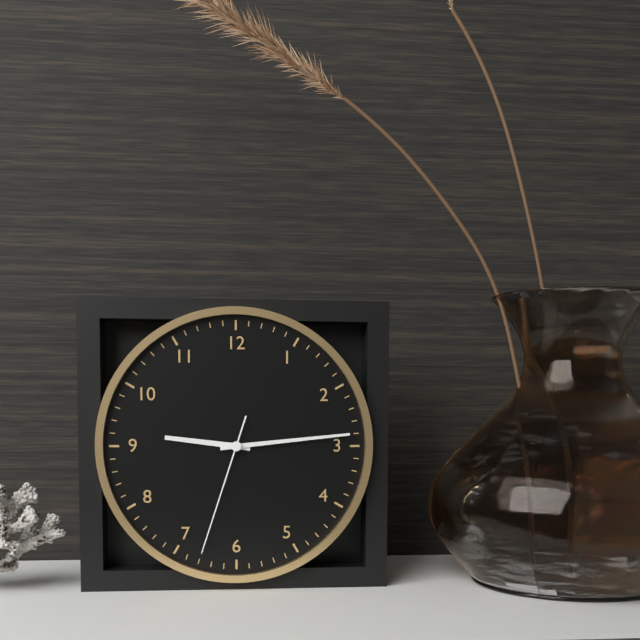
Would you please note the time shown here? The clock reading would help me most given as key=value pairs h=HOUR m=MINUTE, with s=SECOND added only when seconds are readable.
h=9 m=14 s=33
